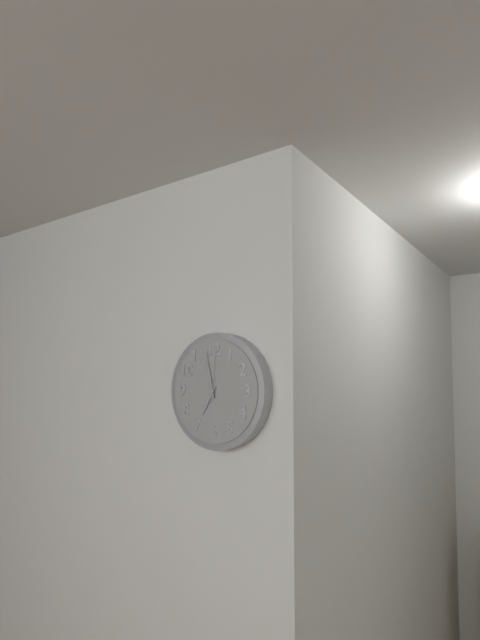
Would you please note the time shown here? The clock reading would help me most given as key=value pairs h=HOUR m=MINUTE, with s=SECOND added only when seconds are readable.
h=6 m=58 s=1
